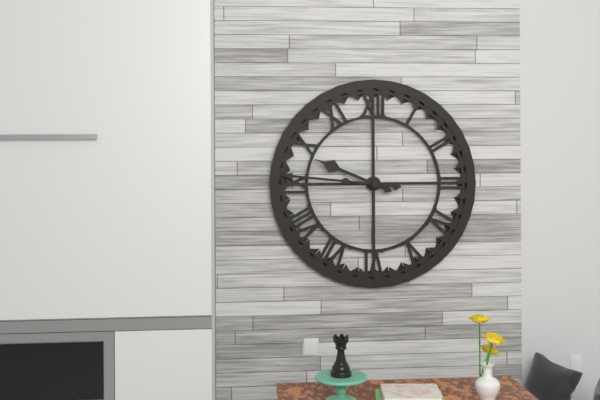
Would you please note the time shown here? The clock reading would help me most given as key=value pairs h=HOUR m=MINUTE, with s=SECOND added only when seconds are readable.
h=9 m=46
